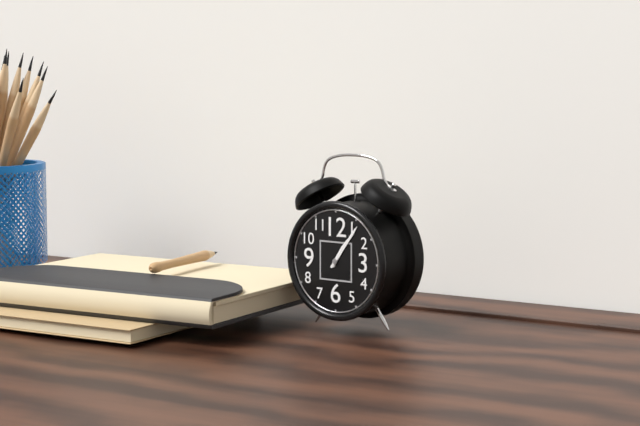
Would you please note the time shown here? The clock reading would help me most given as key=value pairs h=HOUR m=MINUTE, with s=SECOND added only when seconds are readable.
h=1 m=6
